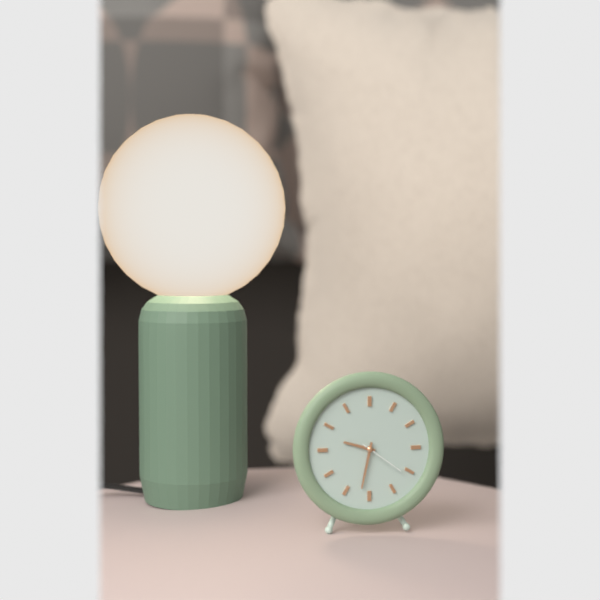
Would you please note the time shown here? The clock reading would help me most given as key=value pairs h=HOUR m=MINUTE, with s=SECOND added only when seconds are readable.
h=9 m=32
